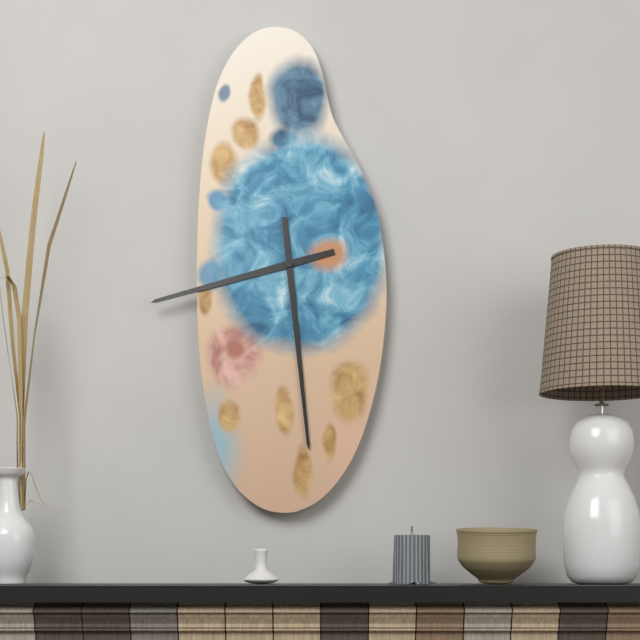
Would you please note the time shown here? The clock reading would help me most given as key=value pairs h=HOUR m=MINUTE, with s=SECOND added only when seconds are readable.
h=8 m=29
